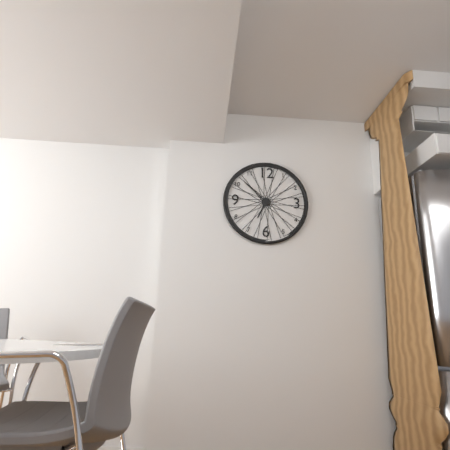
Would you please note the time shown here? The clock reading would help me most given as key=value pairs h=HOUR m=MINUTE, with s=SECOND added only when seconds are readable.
h=6 m=52
